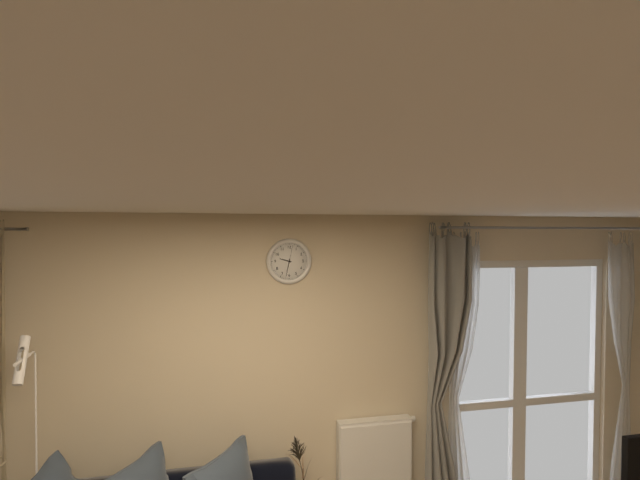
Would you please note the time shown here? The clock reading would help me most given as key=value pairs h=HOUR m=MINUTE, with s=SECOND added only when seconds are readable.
h=9 m=32
